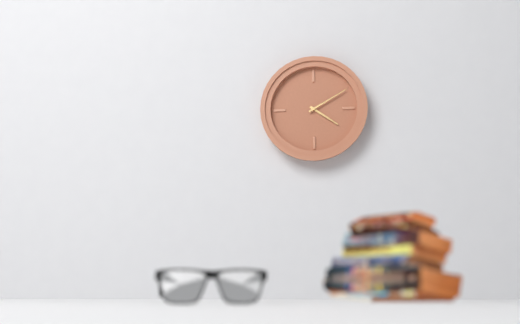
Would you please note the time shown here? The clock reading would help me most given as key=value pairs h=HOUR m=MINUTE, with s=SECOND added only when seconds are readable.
h=4 m=10
